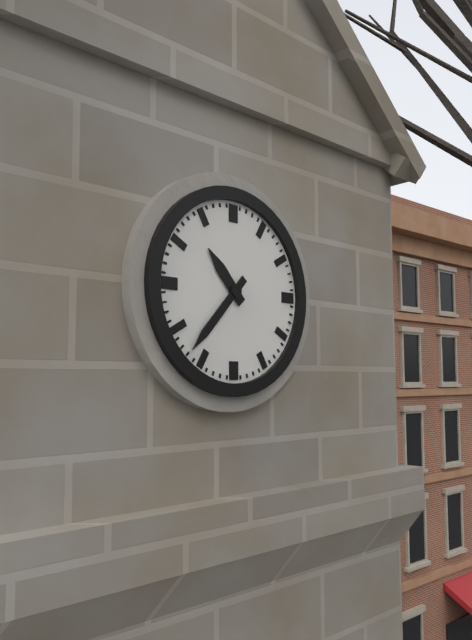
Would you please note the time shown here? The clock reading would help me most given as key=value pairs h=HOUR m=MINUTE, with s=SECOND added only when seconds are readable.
h=10 m=37
